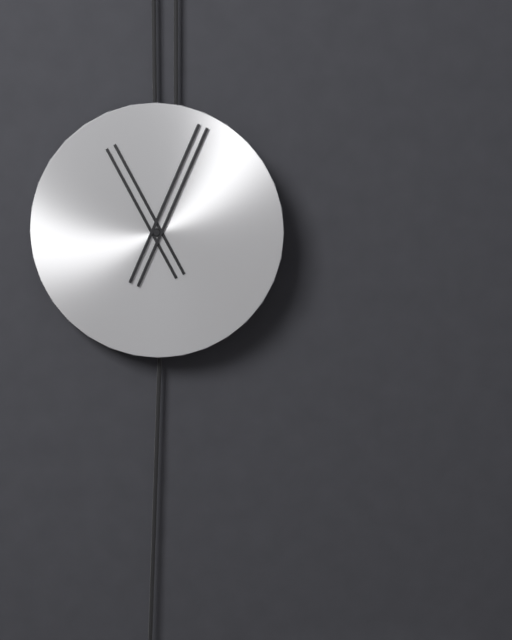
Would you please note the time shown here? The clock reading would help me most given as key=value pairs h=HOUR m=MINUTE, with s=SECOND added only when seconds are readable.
h=11 m=4
